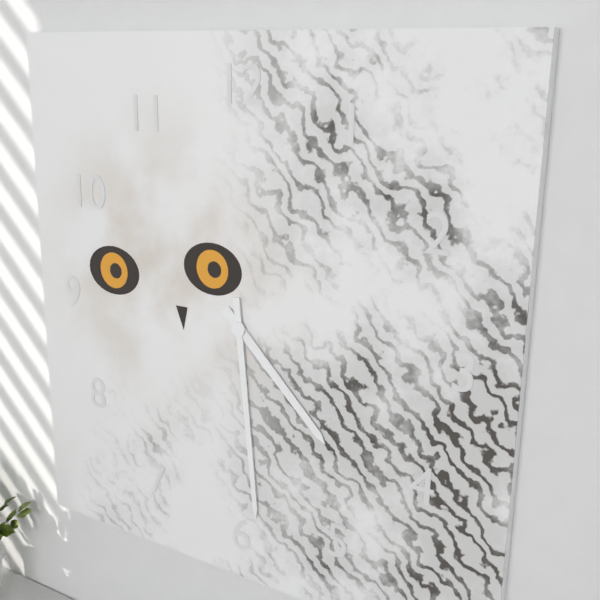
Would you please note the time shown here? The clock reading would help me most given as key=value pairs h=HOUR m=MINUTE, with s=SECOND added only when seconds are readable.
h=4 m=29
